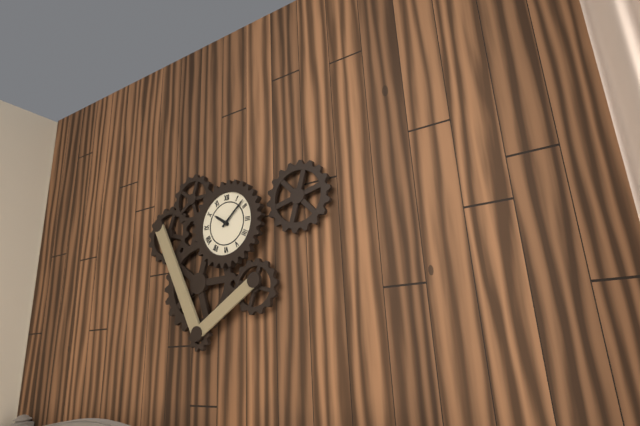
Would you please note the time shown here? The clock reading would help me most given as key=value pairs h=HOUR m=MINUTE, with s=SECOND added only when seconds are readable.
h=10 m=8
